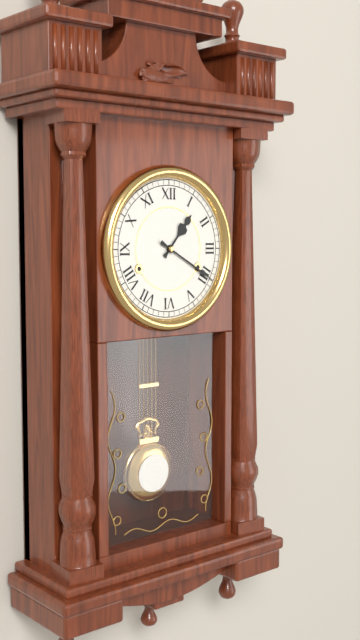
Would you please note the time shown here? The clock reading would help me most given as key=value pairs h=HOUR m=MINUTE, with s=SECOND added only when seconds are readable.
h=1 m=20
